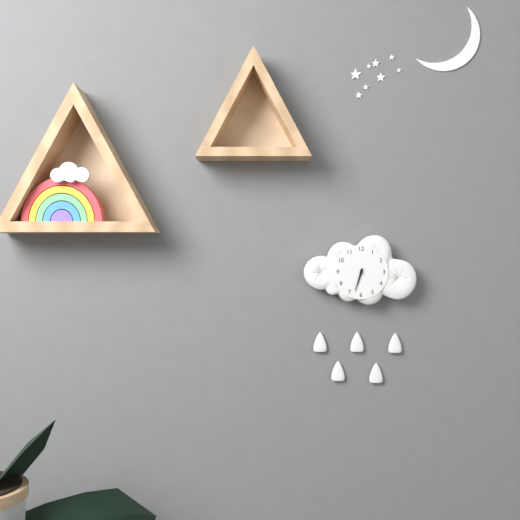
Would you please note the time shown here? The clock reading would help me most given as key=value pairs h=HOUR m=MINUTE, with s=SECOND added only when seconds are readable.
h=6 m=33
